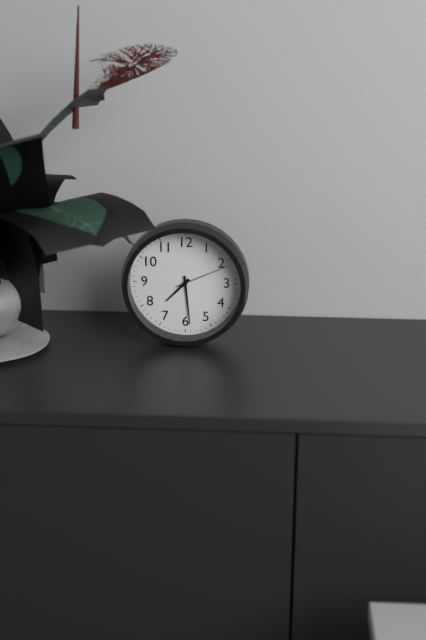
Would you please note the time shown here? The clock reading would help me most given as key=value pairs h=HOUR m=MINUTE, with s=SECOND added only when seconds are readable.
h=7 m=29 s=11
